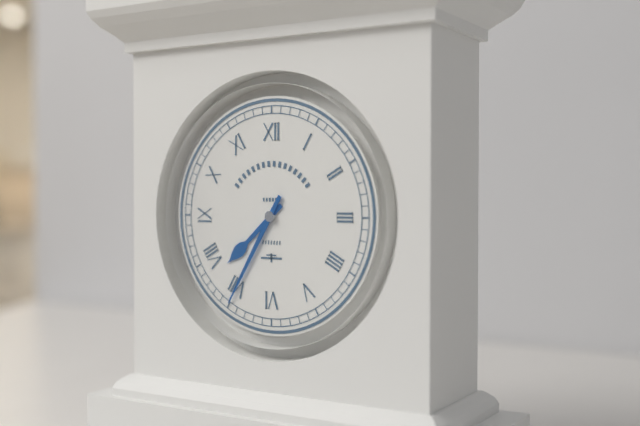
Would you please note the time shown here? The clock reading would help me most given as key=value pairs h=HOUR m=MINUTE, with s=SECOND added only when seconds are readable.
h=7 m=35
